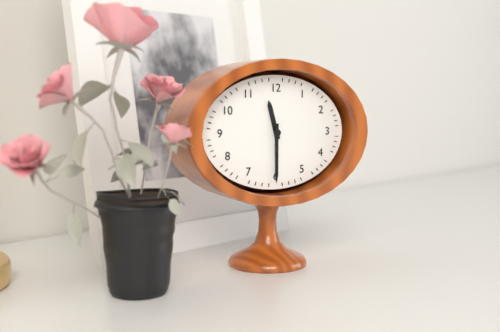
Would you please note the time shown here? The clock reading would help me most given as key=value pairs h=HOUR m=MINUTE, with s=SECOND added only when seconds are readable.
h=11 m=30
